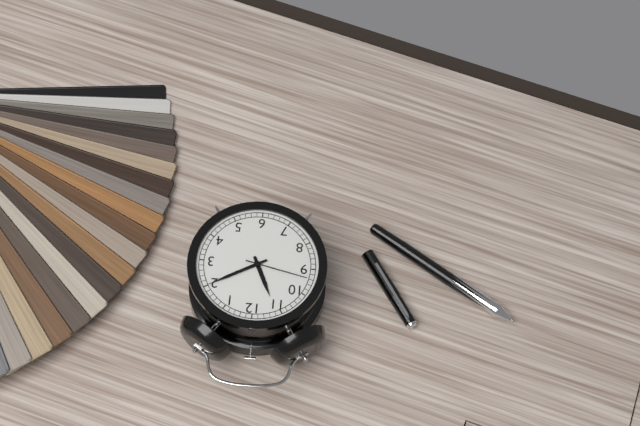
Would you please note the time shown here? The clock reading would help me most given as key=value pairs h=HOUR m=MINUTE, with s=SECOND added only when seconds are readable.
h=11 m=10 s=47
